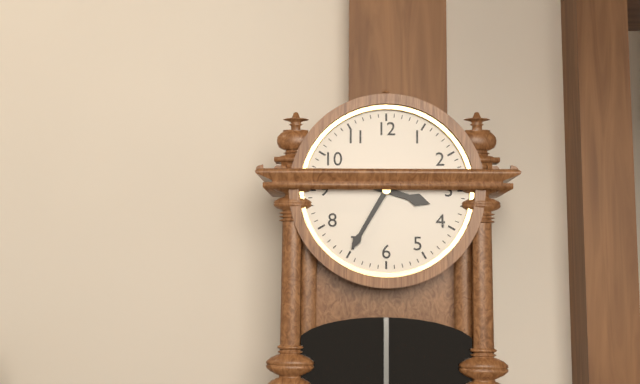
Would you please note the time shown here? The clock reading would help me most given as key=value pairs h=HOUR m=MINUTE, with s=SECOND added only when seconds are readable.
h=3 m=35
